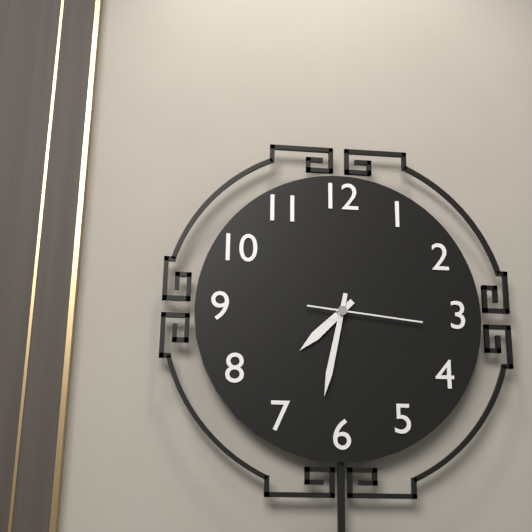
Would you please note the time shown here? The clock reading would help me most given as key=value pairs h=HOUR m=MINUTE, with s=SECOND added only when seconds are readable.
h=7 m=32 s=16
